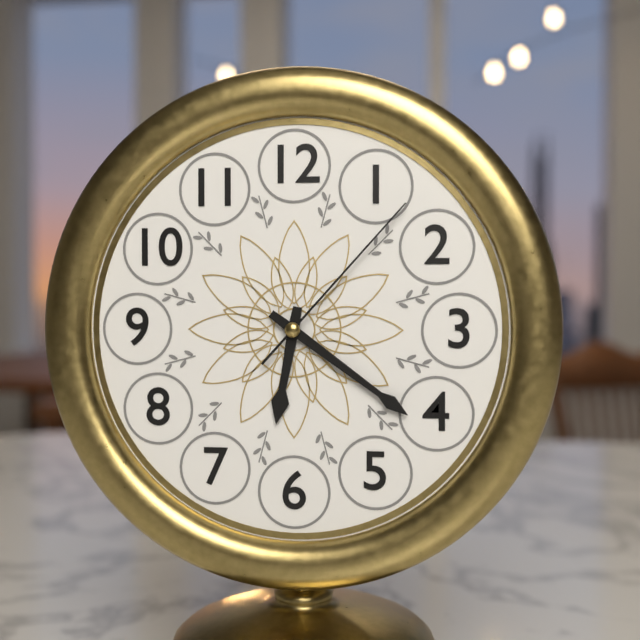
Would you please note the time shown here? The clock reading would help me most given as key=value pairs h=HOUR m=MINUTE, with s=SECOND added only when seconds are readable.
h=6 m=21 s=7
